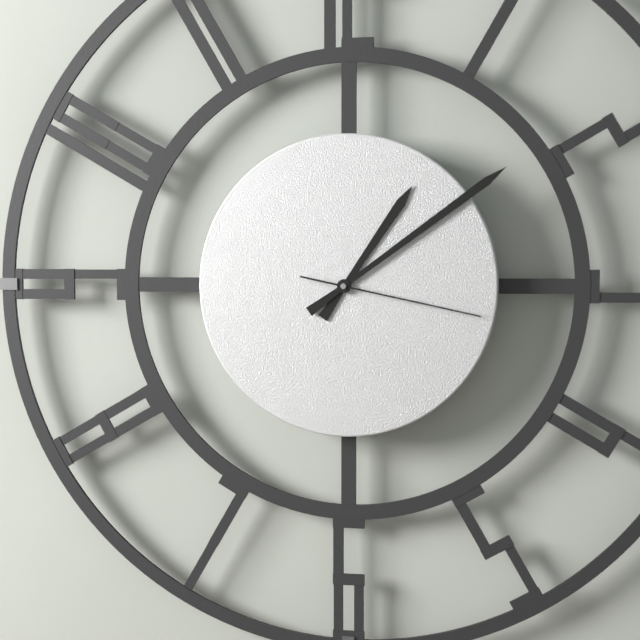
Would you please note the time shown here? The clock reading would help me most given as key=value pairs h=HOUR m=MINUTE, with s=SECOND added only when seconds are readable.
h=1 m=9 s=17
